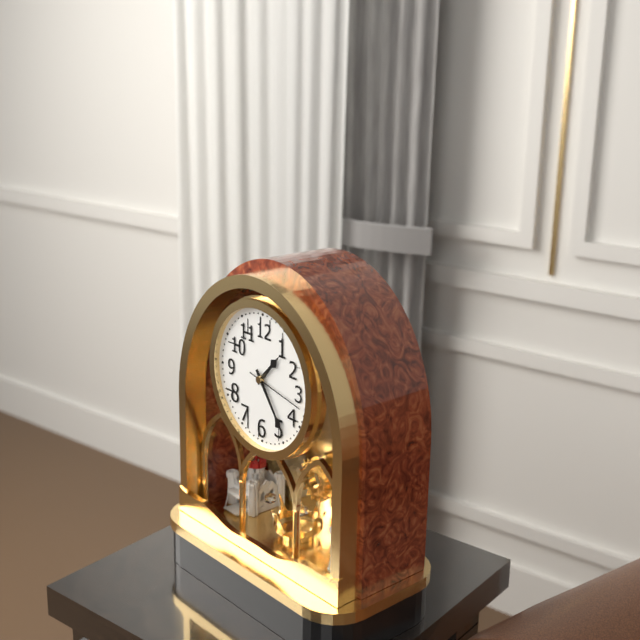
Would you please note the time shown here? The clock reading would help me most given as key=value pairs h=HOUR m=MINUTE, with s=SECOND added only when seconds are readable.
h=1 m=24 s=17
